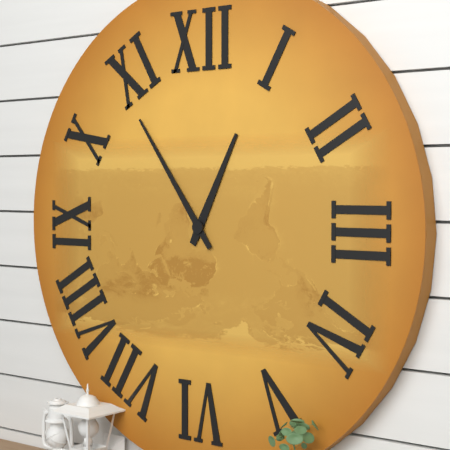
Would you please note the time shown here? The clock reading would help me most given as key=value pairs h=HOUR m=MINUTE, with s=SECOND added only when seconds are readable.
h=12 m=54
